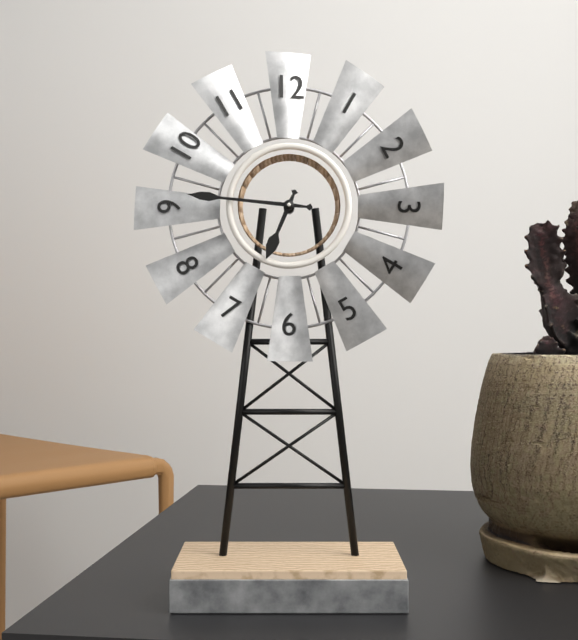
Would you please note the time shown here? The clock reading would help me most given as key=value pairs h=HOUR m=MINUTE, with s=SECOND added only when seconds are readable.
h=6 m=46
